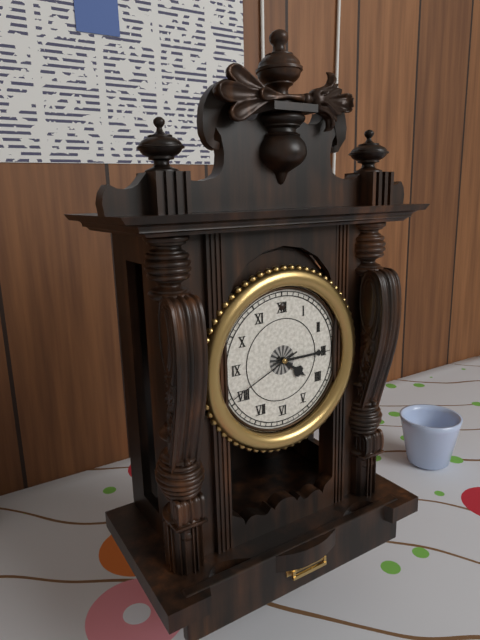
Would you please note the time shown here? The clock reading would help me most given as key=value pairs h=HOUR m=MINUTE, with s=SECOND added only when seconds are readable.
h=4 m=15 s=41
